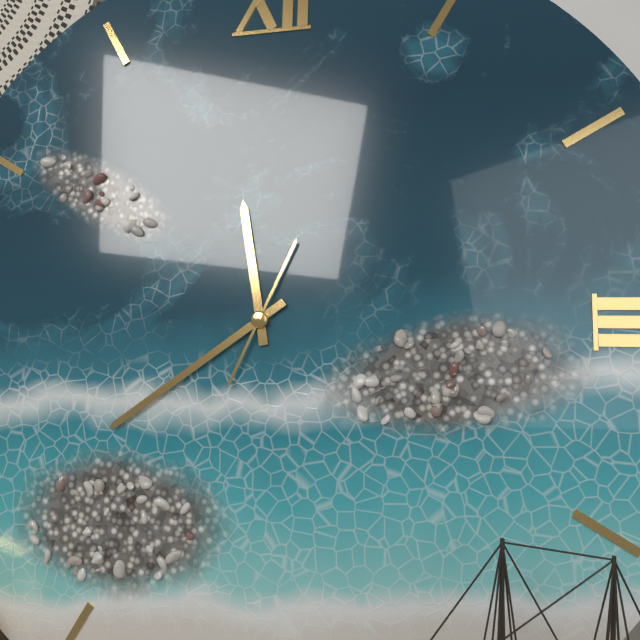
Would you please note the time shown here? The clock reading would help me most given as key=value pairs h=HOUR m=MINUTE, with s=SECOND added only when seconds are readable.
h=11 m=39 s=4
